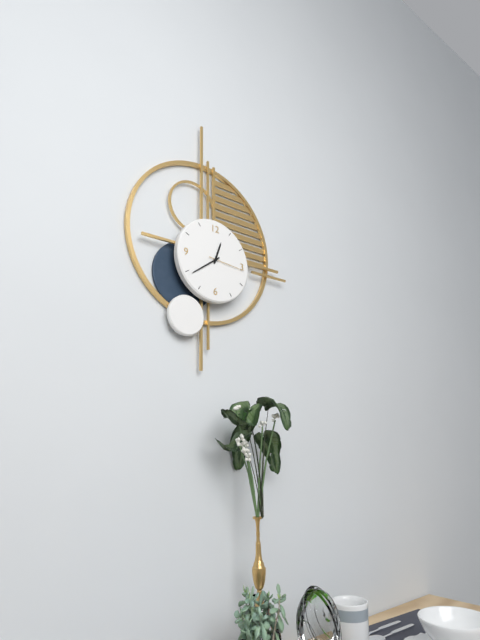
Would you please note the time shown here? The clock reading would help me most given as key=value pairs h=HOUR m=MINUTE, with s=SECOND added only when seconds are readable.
h=12 m=39
